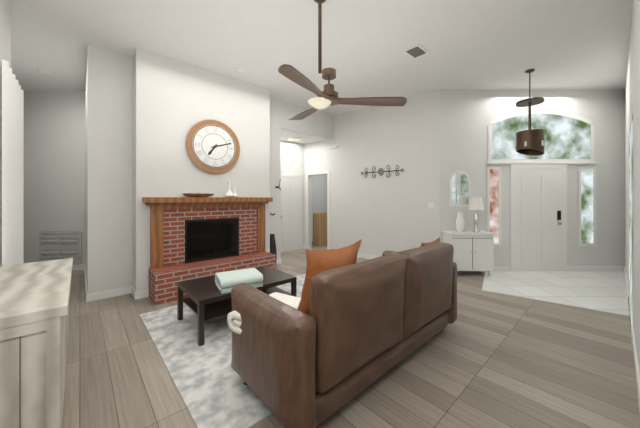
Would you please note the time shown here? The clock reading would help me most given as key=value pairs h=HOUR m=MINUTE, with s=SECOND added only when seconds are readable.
h=7 m=12
